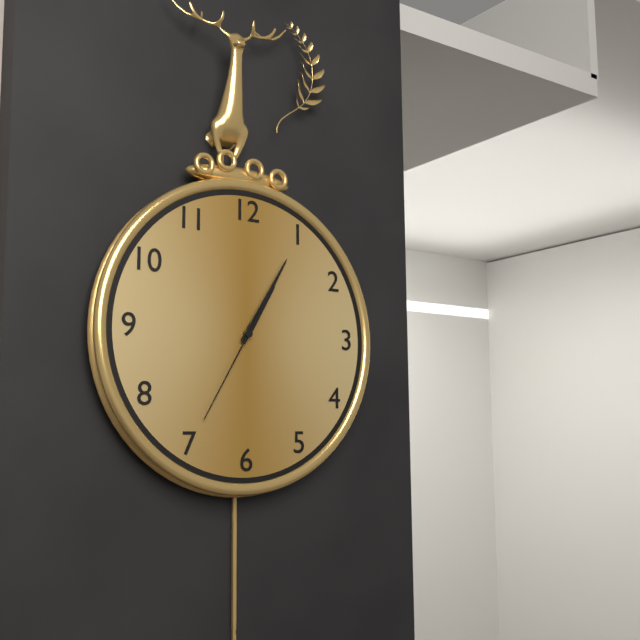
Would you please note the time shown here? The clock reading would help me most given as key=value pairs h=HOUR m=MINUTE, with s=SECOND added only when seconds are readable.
h=1 m=5 s=35
